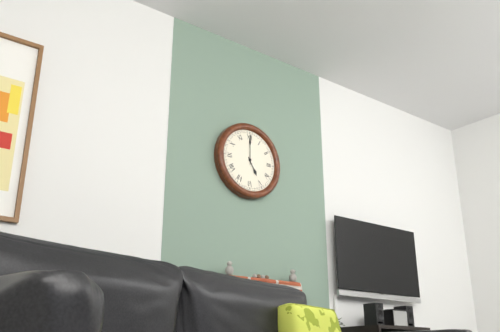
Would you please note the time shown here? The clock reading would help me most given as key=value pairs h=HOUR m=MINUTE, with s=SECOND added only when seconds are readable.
h=5 m=0
